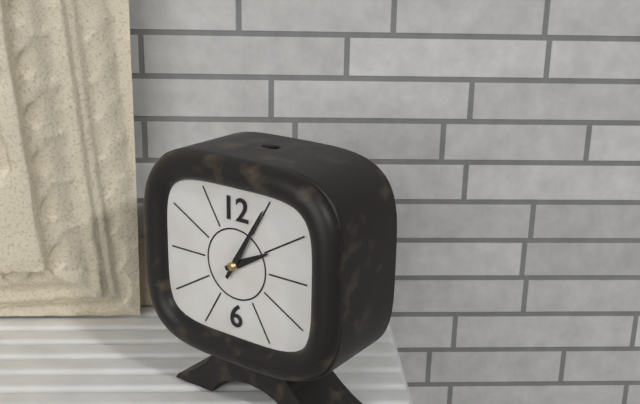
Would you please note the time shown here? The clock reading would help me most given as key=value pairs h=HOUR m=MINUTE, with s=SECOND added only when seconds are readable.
h=2 m=5
